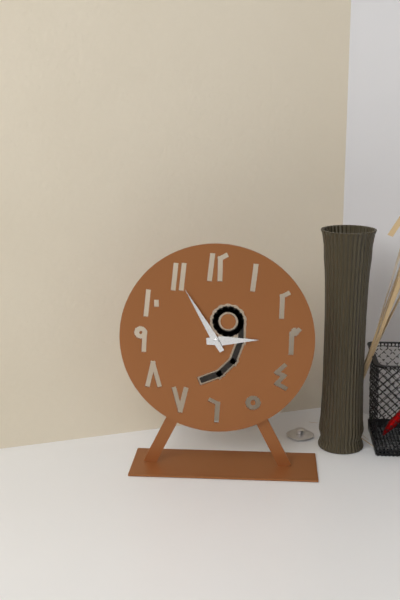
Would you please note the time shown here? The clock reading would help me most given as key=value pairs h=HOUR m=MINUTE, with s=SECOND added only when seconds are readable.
h=2 m=55
